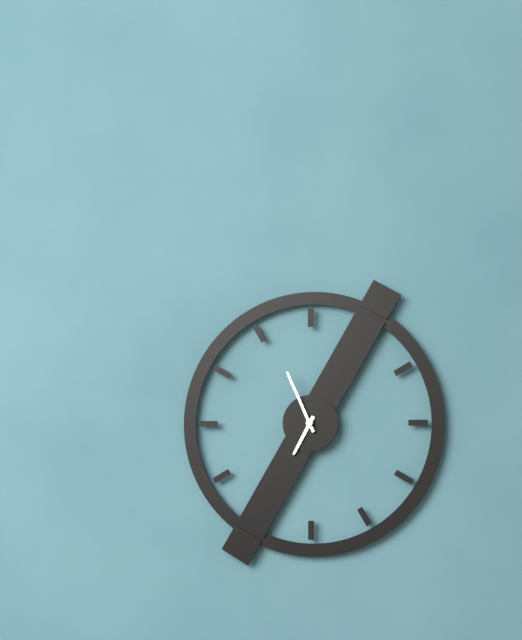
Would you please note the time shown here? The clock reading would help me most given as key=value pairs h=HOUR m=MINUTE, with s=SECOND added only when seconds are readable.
h=6 m=56
